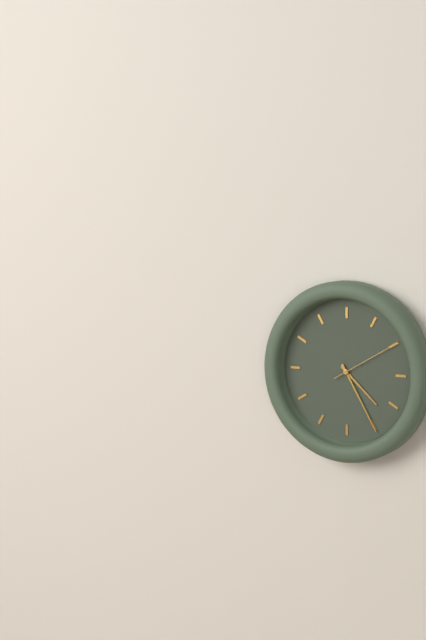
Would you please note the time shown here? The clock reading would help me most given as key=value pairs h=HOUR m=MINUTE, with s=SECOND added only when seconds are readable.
h=4 m=25 s=10
